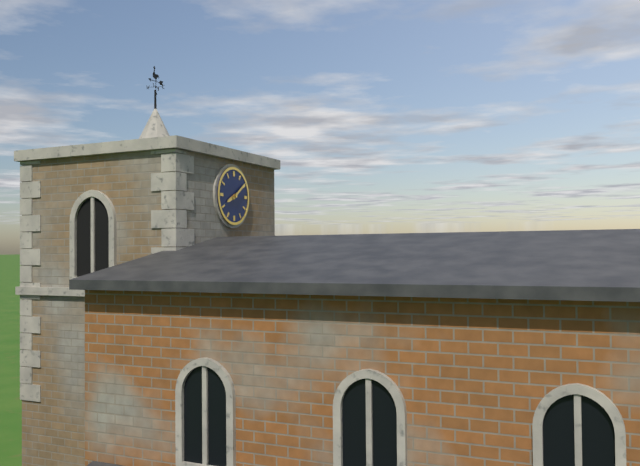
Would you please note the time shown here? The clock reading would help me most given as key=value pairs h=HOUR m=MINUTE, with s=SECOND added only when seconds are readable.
h=8 m=9
